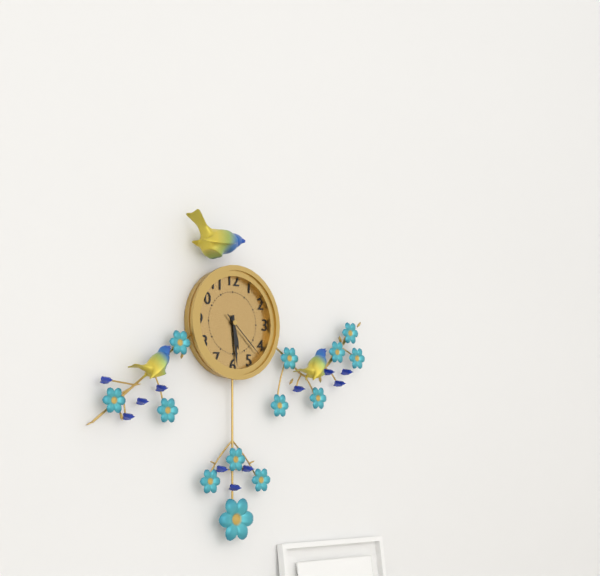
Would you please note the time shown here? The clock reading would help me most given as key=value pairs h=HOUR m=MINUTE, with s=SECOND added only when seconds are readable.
h=5 m=29 s=22
